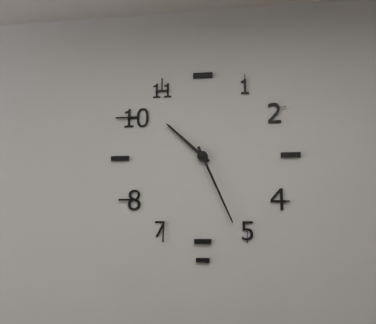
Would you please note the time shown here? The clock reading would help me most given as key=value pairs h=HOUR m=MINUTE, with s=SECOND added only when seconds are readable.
h=10 m=26
